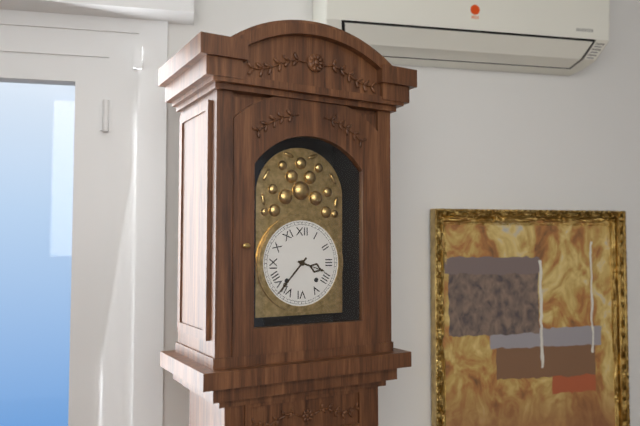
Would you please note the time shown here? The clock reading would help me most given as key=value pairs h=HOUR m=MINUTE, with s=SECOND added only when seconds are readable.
h=3 m=37
